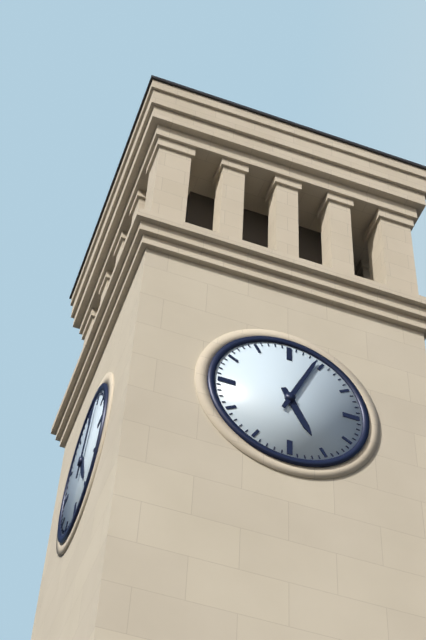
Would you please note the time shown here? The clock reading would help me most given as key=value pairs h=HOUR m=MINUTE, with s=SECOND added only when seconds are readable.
h=5 m=4
